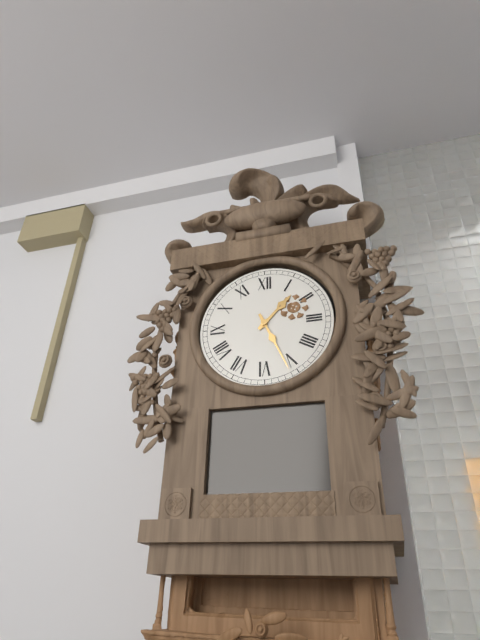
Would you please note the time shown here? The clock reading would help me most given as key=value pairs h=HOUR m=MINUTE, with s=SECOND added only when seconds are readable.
h=1 m=26
